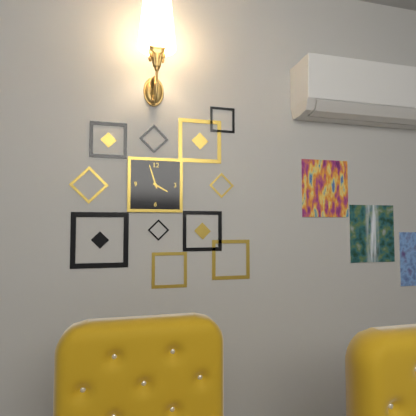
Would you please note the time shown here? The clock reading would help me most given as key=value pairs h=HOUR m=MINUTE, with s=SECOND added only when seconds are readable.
h=3 m=57
